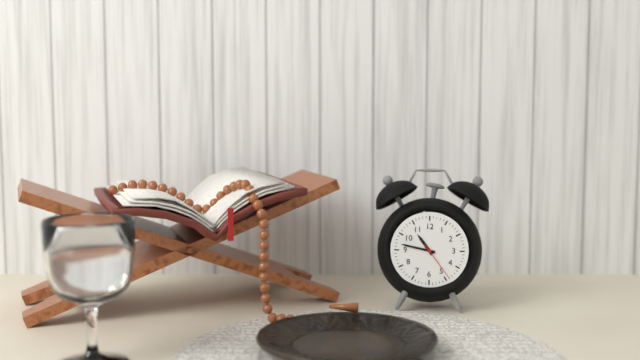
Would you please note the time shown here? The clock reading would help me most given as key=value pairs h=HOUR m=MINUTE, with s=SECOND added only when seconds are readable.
h=10 m=47
